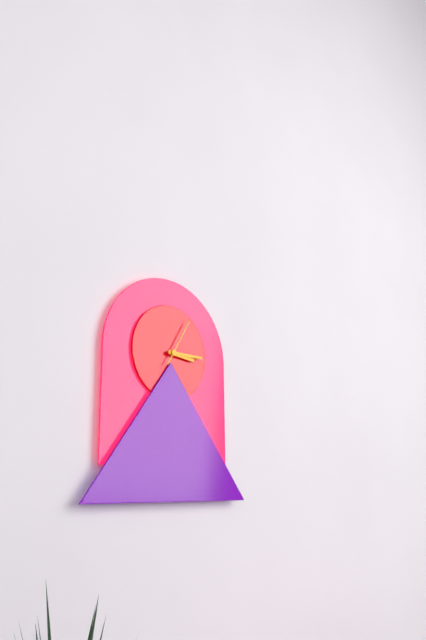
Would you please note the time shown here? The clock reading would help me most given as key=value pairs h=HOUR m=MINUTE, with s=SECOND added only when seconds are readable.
h=3 m=15
